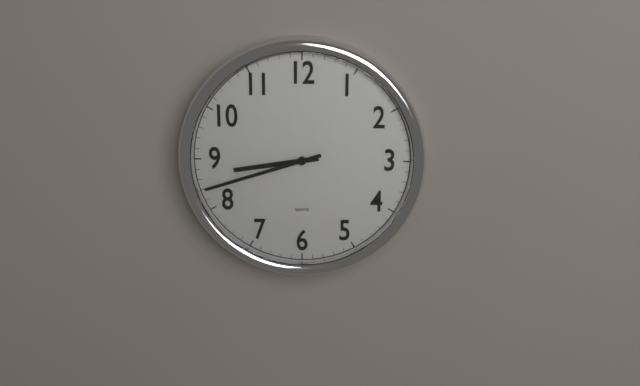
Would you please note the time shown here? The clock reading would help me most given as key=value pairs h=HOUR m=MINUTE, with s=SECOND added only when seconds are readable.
h=8 m=42
